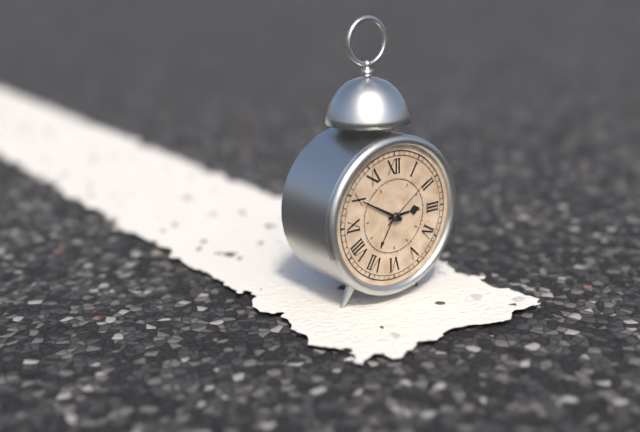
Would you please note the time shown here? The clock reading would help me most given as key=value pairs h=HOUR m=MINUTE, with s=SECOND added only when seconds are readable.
h=2 m=50 s=9
